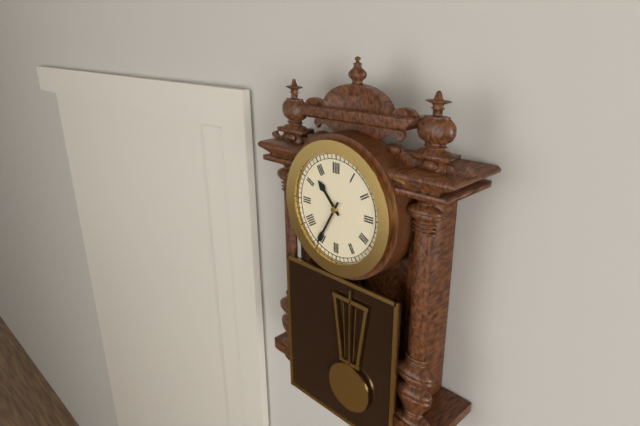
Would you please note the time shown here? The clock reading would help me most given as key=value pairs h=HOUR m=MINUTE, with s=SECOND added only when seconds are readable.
h=10 m=35
